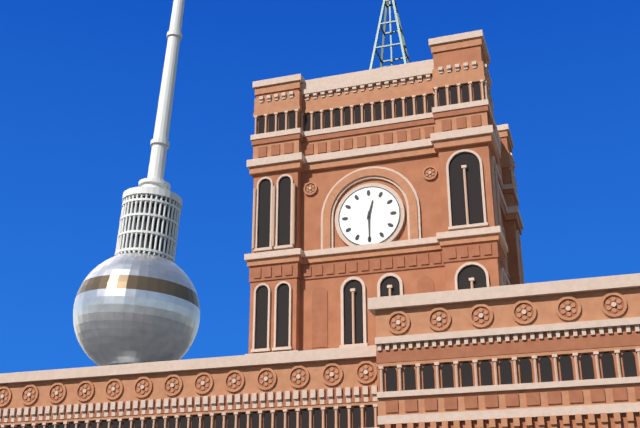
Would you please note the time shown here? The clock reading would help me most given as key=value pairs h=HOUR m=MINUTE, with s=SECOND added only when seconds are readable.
h=12 m=30
